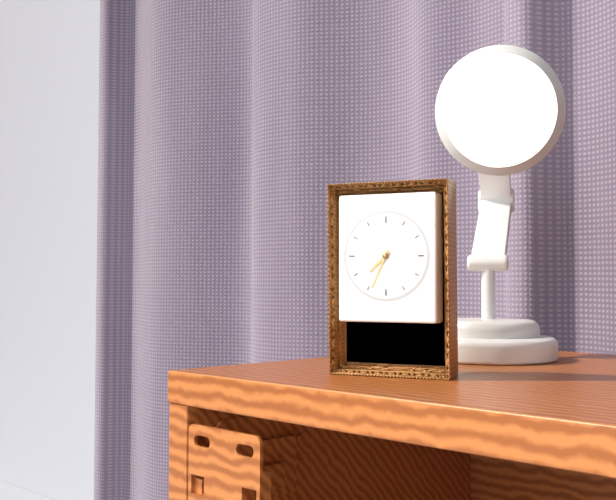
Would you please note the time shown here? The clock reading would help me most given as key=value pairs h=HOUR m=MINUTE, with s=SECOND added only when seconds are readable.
h=7 m=34
